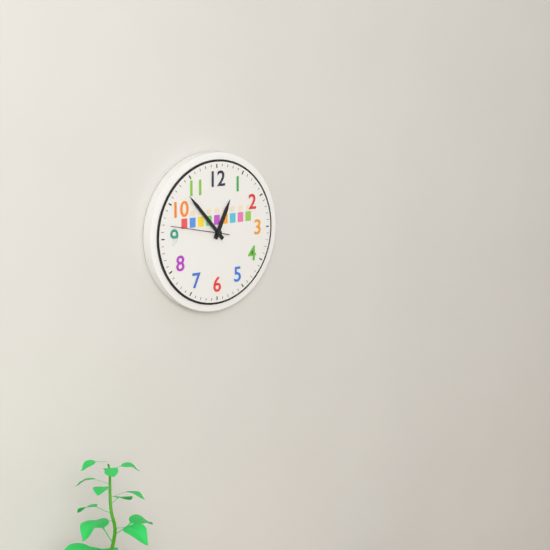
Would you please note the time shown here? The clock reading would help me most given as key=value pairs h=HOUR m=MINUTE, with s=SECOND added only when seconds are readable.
h=12 m=53 s=47
